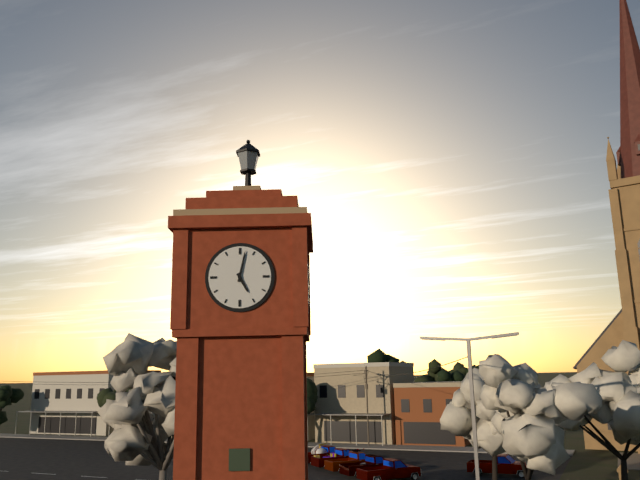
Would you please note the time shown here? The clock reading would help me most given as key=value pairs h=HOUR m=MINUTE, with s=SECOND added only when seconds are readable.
h=5 m=2
